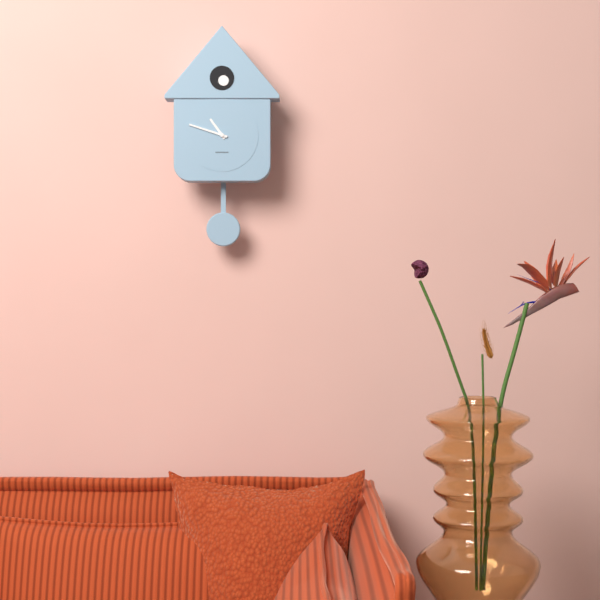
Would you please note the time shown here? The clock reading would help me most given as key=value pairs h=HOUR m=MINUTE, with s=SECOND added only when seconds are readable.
h=10 m=48
